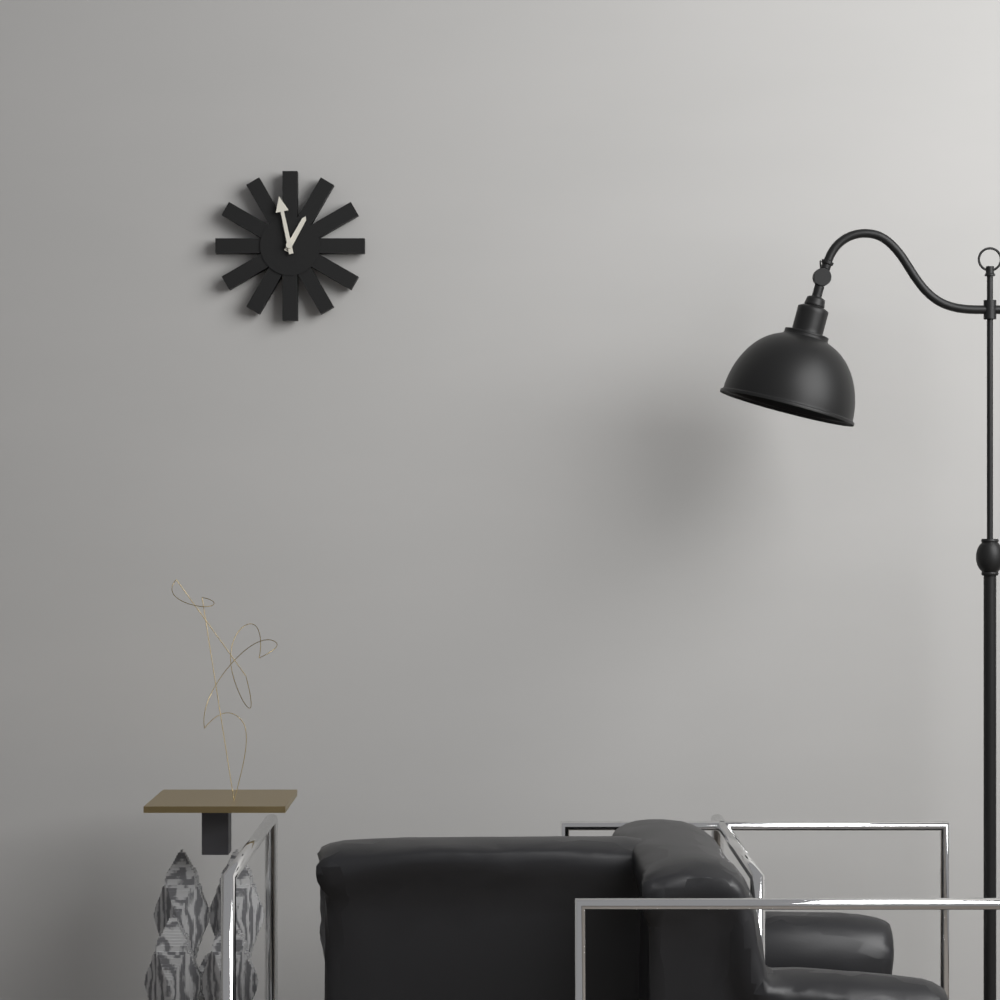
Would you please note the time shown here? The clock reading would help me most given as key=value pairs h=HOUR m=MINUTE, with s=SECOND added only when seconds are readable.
h=12 m=58
